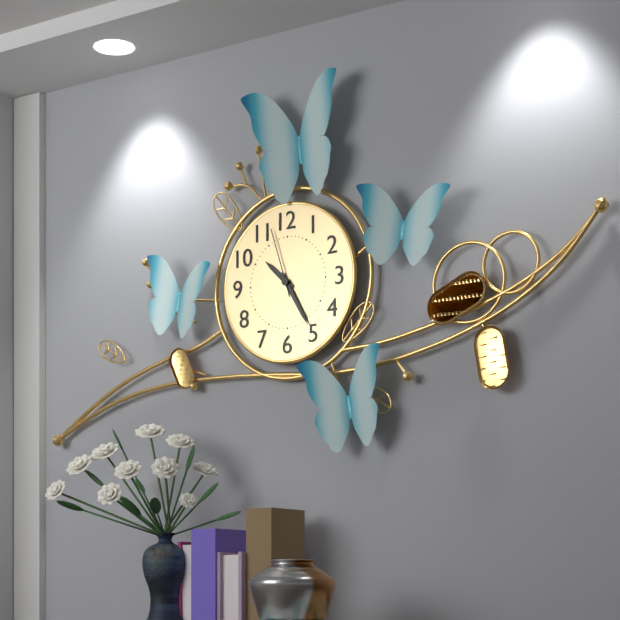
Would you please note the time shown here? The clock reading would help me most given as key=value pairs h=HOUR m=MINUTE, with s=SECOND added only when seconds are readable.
h=10 m=25 s=57
